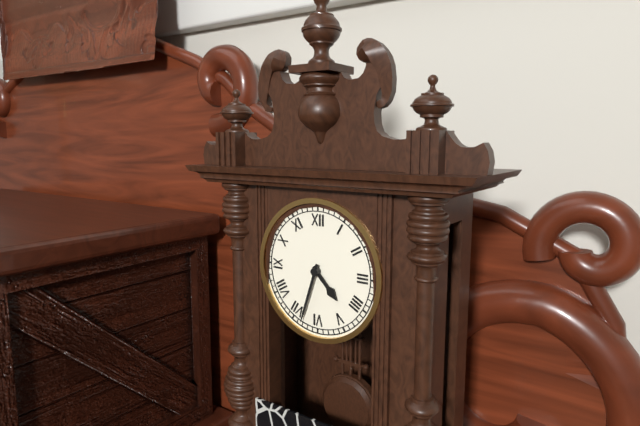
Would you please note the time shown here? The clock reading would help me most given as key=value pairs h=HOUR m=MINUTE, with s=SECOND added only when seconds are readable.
h=4 m=33
